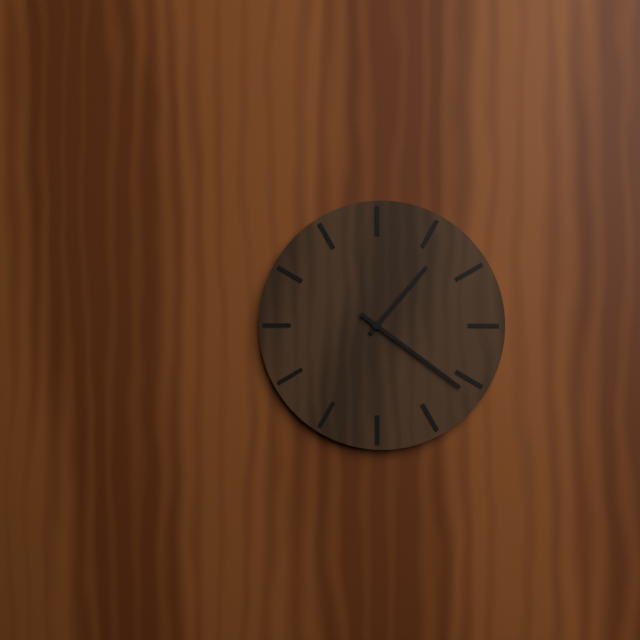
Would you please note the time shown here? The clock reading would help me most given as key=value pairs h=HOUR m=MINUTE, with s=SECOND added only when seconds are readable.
h=1 m=21
